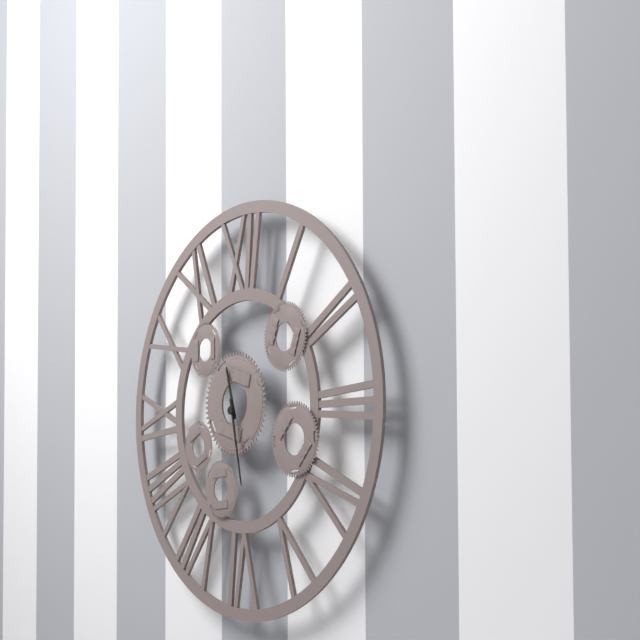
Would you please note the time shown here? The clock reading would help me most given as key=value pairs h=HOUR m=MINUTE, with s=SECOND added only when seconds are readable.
h=11 m=28
